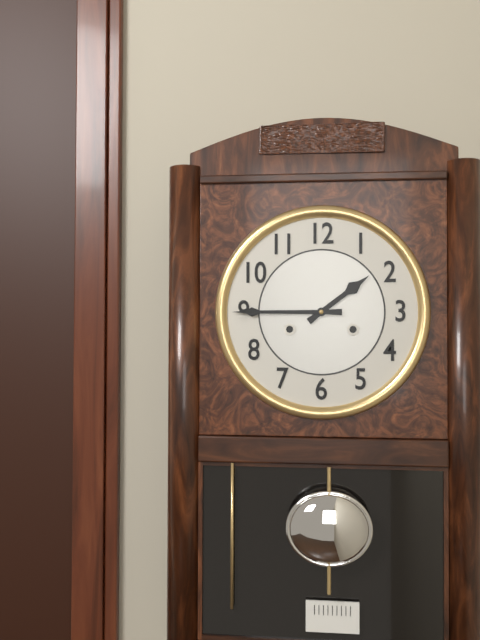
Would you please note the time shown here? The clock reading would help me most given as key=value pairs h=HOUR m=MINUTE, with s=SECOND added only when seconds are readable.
h=1 m=45
